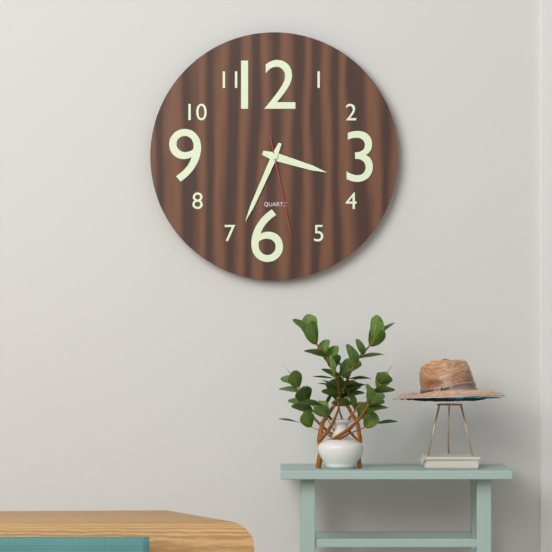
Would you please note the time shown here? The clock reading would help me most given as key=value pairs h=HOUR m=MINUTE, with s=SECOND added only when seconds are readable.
h=3 m=34 s=28
